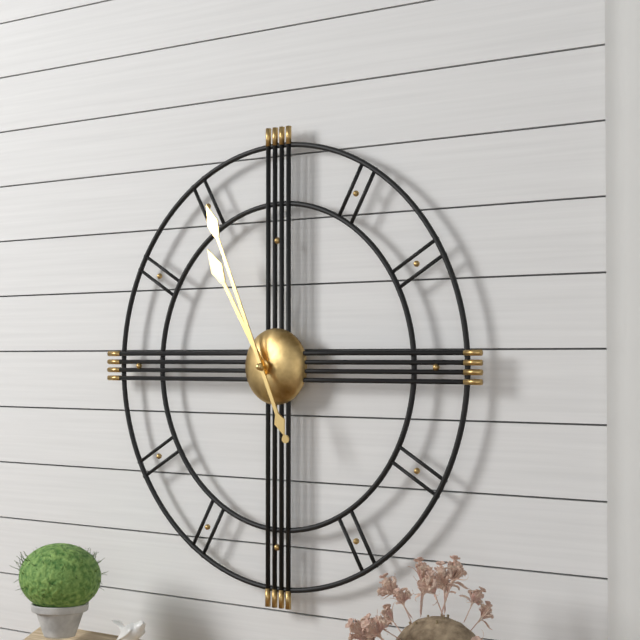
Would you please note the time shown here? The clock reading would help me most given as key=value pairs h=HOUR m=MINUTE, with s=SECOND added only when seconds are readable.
h=10 m=56
